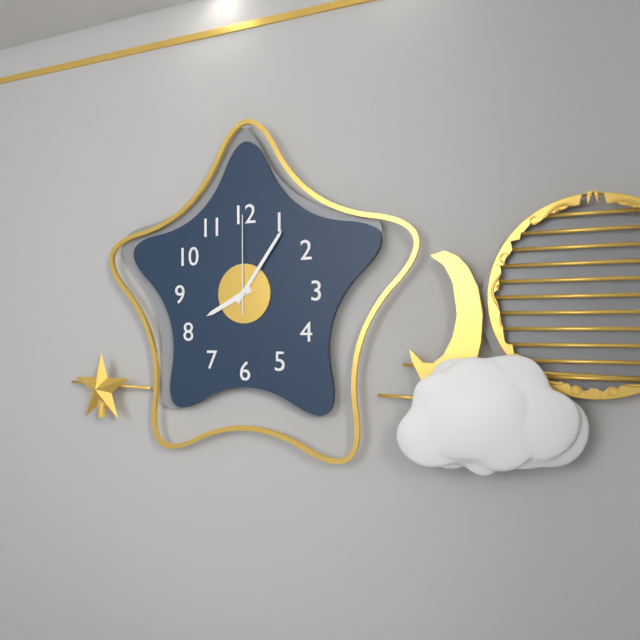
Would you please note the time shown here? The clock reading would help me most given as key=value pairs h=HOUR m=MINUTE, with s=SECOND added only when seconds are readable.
h=8 m=6 s=0
